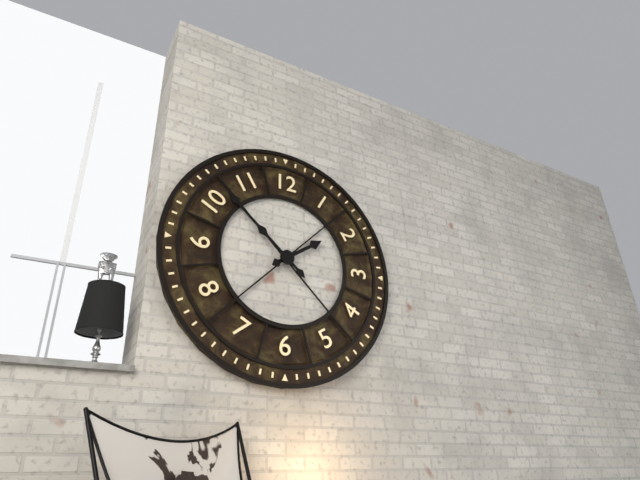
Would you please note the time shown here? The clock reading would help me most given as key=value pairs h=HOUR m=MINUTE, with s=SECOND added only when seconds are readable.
h=1 m=52
